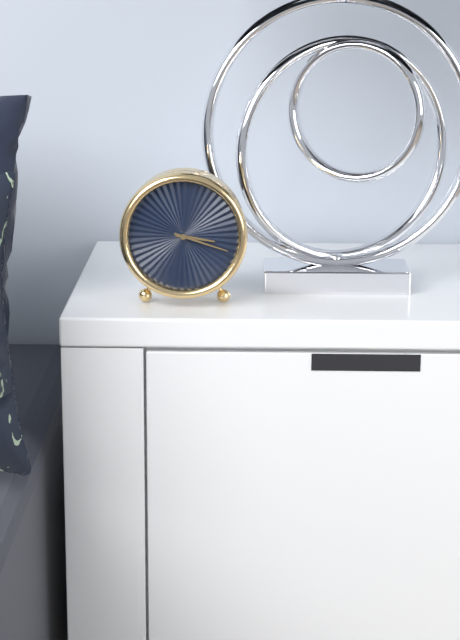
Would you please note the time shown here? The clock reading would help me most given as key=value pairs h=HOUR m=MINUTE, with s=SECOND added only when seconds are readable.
h=3 m=18
